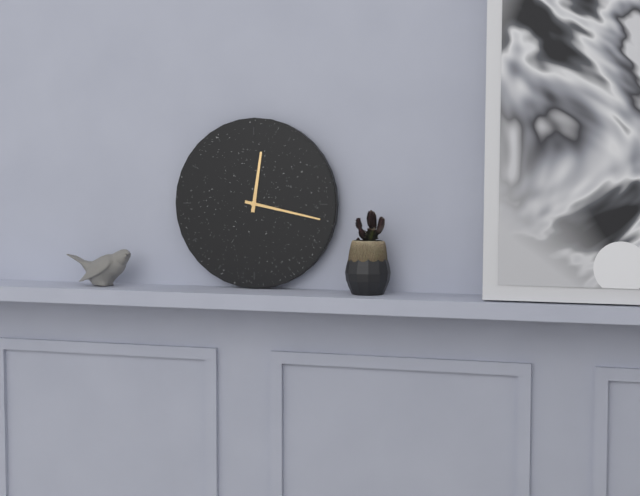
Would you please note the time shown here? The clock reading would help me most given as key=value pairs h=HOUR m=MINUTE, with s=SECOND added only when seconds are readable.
h=12 m=17
